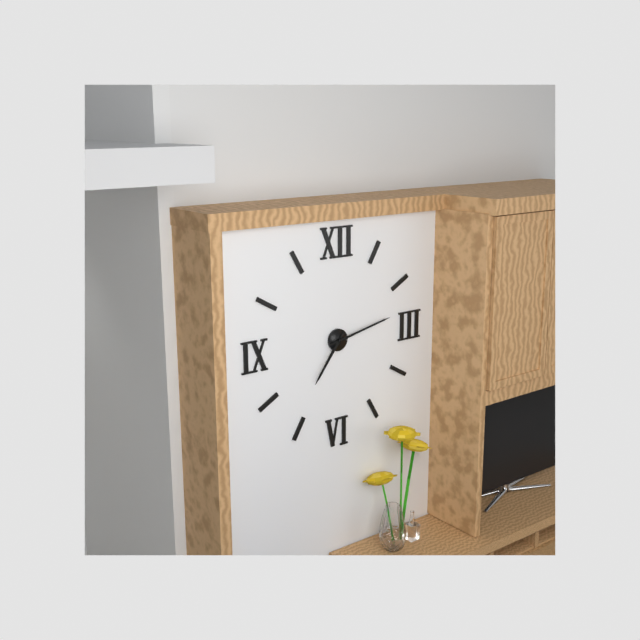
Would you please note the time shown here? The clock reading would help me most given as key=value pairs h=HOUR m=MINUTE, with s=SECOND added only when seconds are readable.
h=7 m=13
